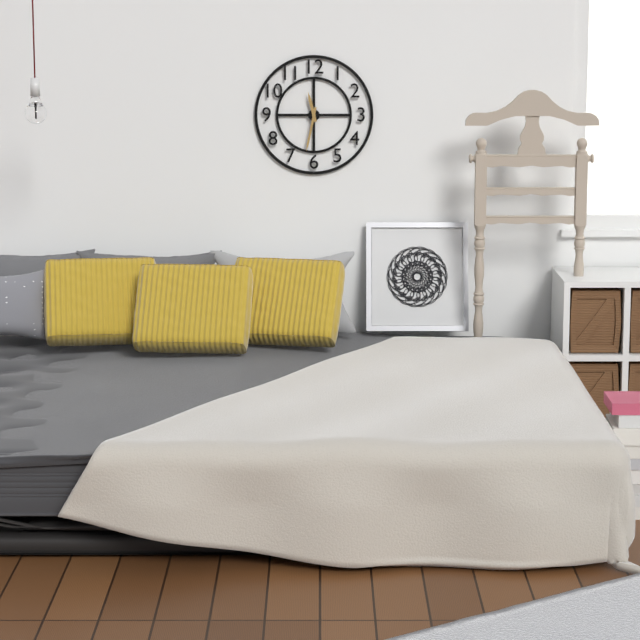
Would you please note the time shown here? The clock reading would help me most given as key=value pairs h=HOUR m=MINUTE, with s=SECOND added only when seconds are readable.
h=11 m=32
